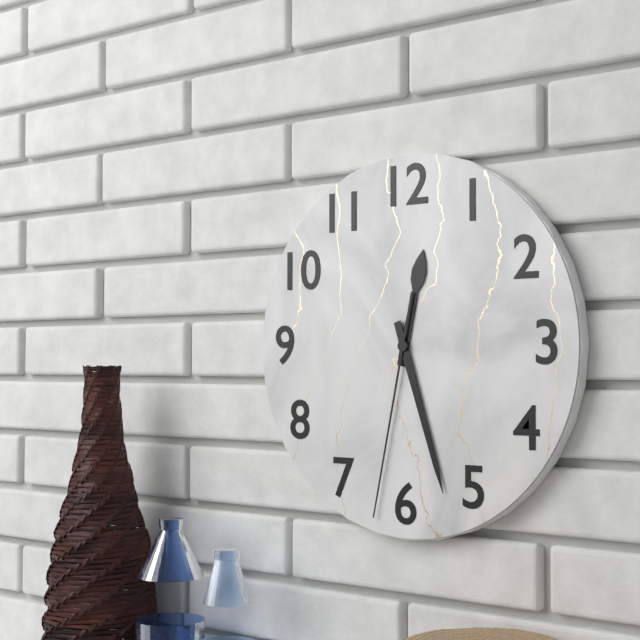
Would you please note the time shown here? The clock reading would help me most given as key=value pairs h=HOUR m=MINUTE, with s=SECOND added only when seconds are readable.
h=12 m=27 s=32
